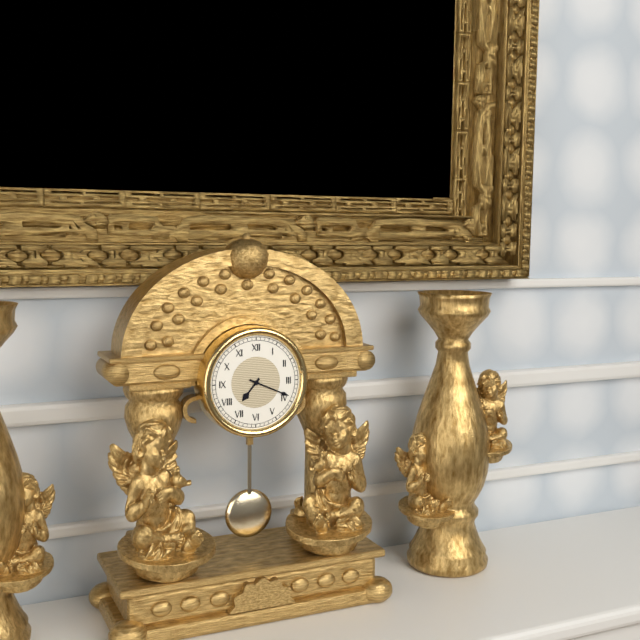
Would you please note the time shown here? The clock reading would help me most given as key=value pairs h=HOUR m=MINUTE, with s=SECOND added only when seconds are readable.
h=7 m=19
